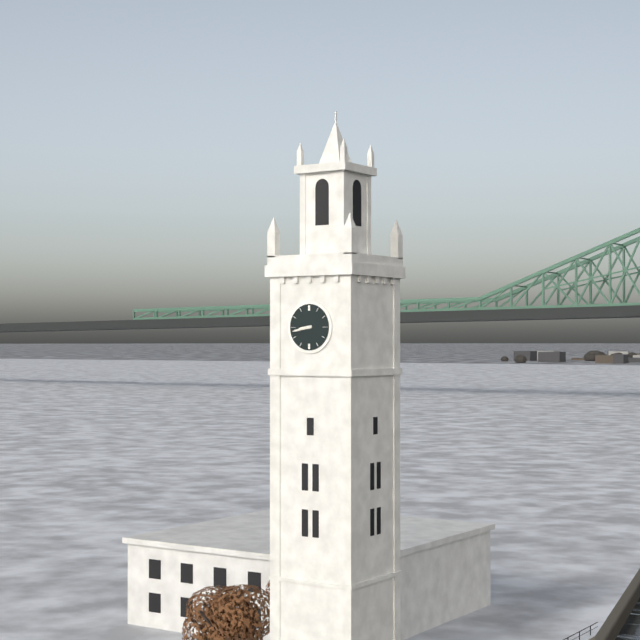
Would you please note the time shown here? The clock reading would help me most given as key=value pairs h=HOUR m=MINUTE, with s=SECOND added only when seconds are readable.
h=8 m=43
